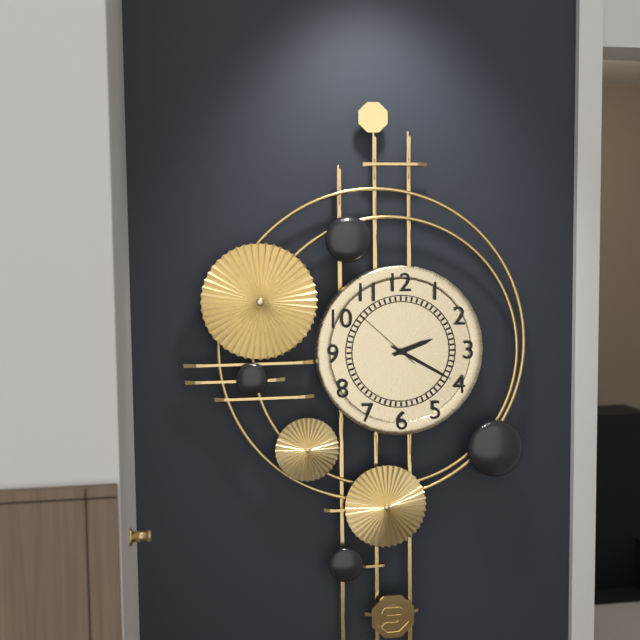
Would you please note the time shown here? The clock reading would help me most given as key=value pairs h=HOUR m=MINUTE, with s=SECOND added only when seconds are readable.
h=2 m=20 s=52
